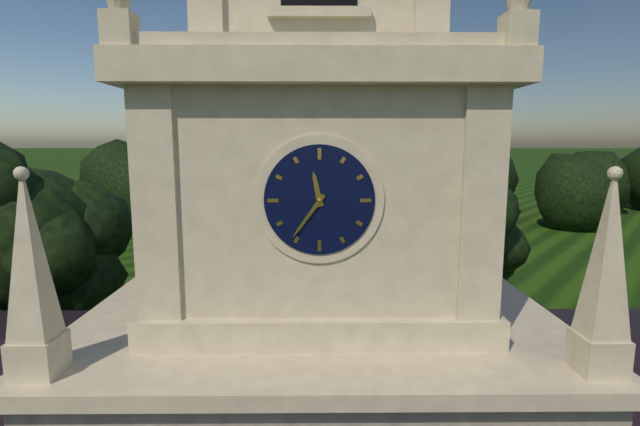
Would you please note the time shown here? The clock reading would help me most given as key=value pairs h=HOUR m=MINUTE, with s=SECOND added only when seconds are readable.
h=11 m=36
